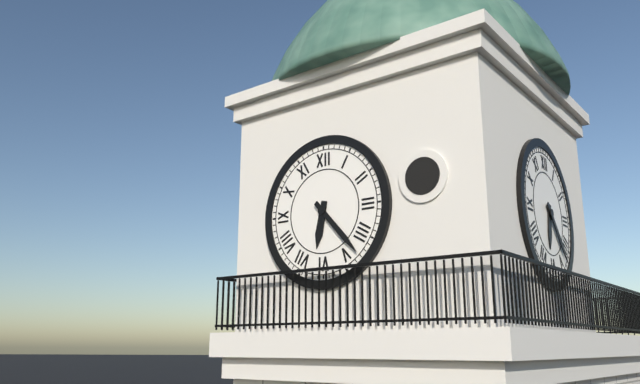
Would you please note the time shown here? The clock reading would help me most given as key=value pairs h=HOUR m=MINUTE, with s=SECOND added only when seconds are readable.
h=6 m=23
